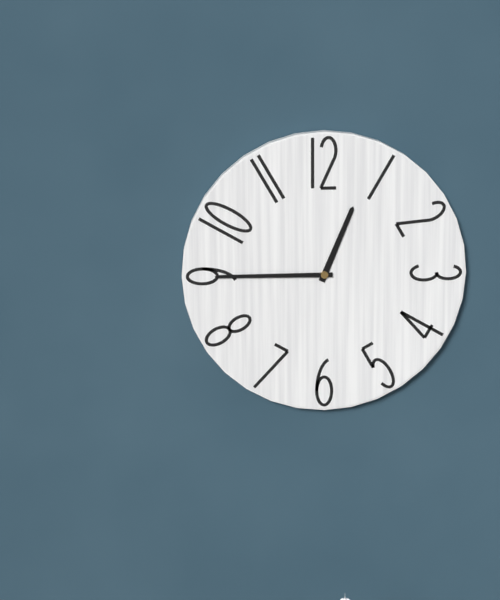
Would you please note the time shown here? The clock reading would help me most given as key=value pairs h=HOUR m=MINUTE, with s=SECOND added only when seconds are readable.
h=12 m=45
